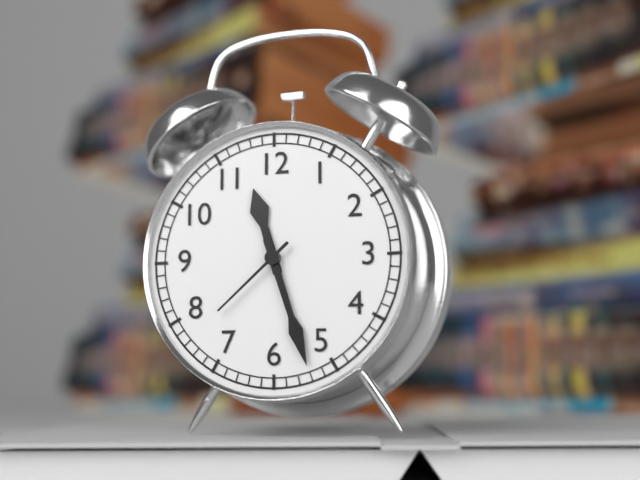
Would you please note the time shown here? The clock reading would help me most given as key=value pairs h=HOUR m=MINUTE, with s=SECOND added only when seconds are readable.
h=11 m=27 s=38
